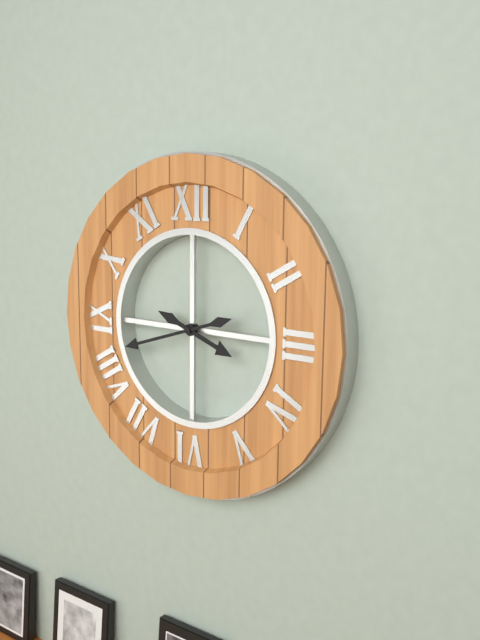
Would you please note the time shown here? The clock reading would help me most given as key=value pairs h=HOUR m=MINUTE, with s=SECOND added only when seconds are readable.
h=3 m=42
